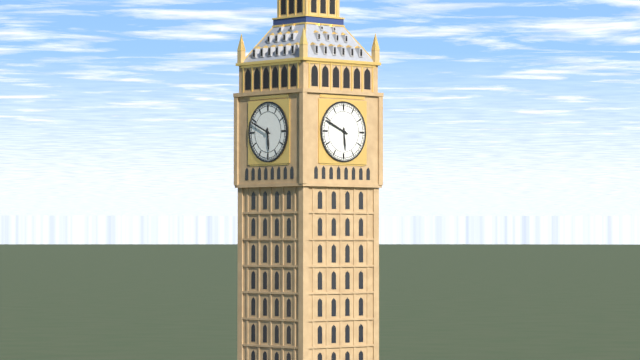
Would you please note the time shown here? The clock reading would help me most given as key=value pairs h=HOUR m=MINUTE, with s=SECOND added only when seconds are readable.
h=5 m=49
